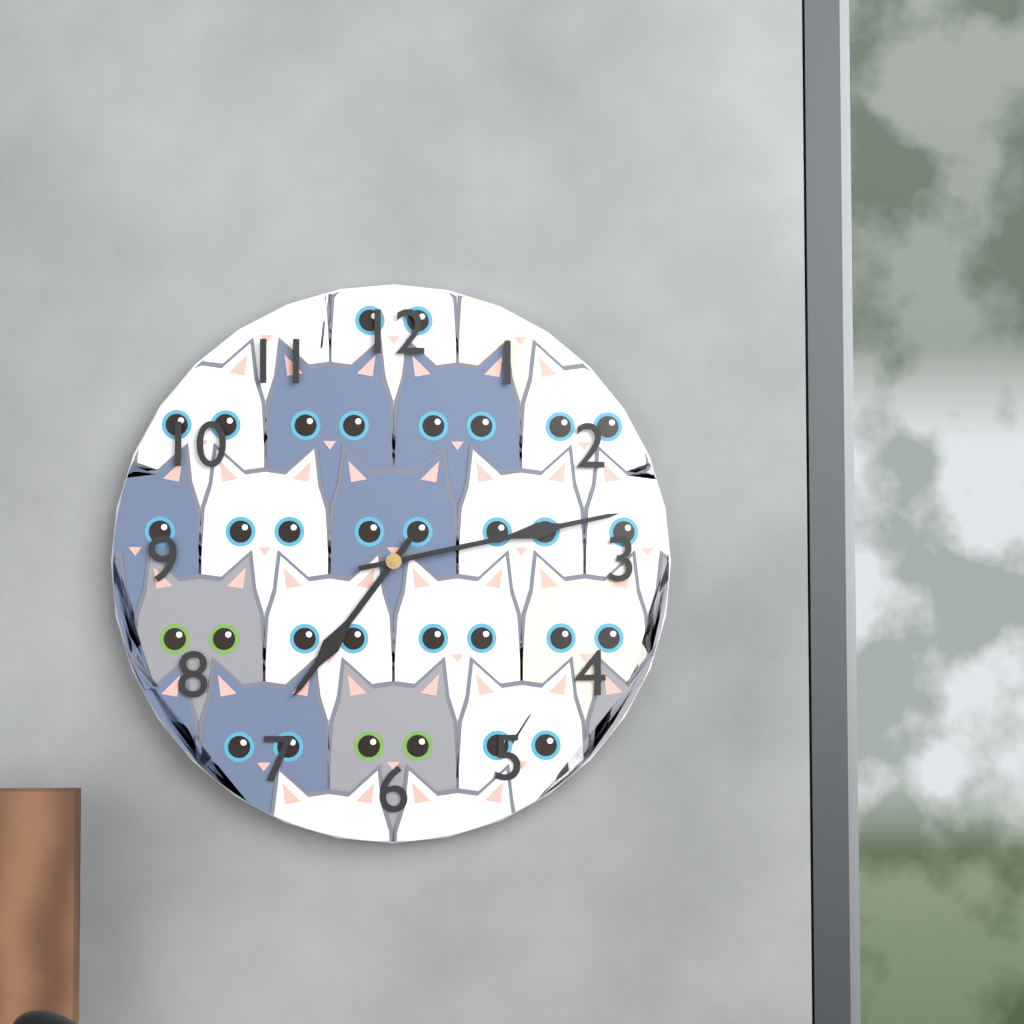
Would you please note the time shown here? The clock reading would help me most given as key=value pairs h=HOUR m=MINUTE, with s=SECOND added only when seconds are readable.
h=7 m=13
